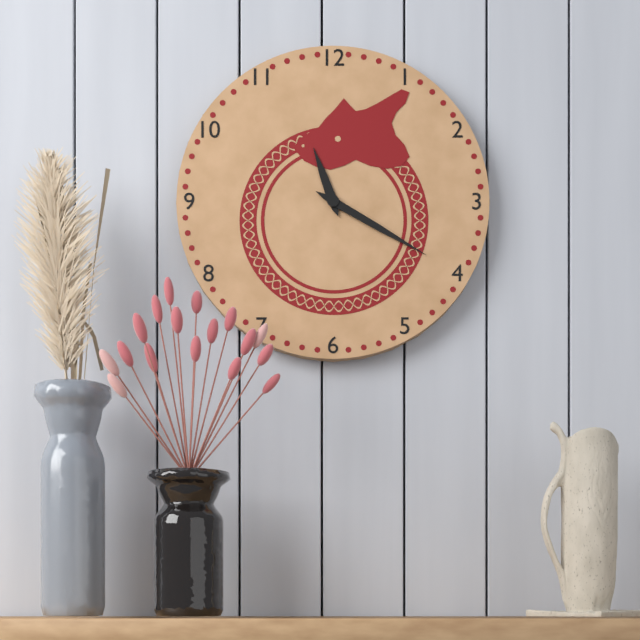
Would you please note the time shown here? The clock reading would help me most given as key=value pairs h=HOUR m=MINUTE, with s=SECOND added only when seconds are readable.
h=11 m=20
